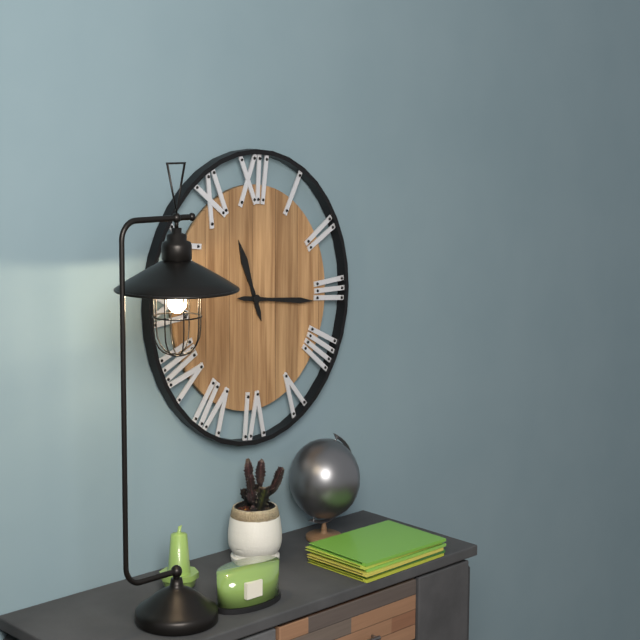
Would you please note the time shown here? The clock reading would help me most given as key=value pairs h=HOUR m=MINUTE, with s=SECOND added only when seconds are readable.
h=11 m=16
